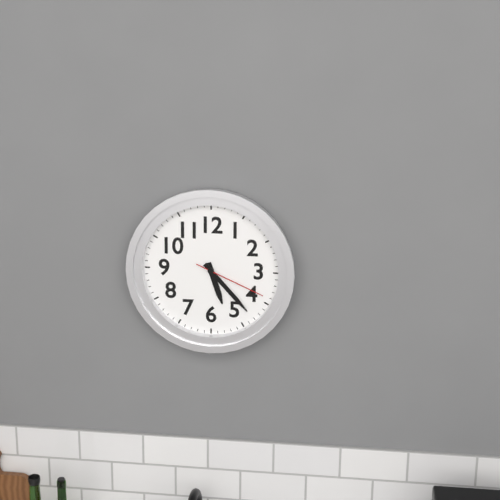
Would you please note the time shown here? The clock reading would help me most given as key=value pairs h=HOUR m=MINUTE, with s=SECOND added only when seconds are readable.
h=5 m=23 s=19
